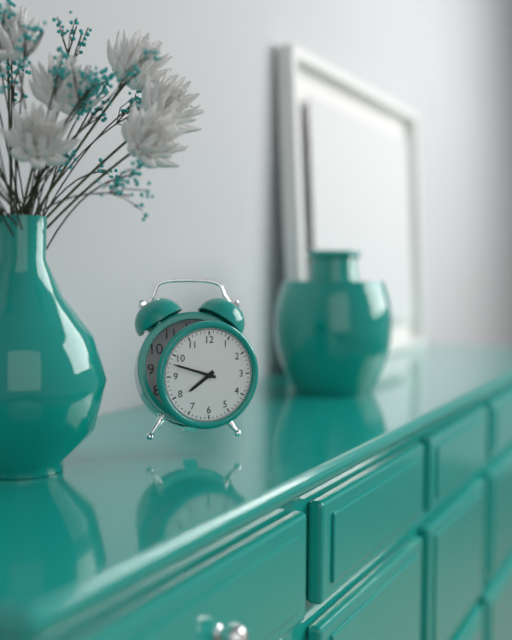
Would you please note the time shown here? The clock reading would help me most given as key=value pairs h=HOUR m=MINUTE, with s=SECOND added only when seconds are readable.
h=7 m=48
